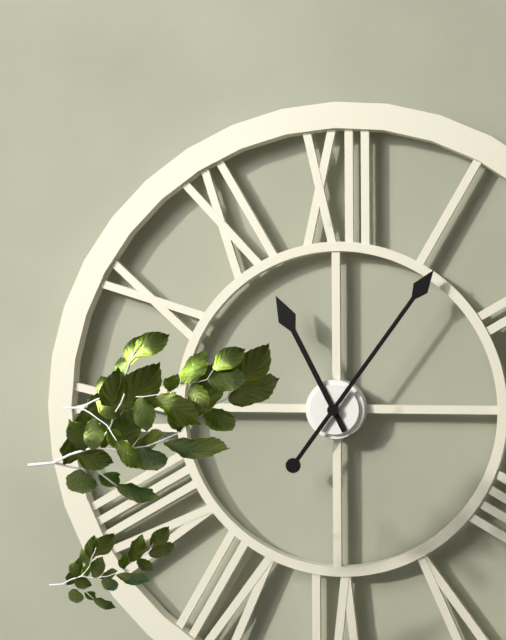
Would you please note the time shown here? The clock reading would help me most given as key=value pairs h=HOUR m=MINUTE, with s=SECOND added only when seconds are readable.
h=11 m=6
